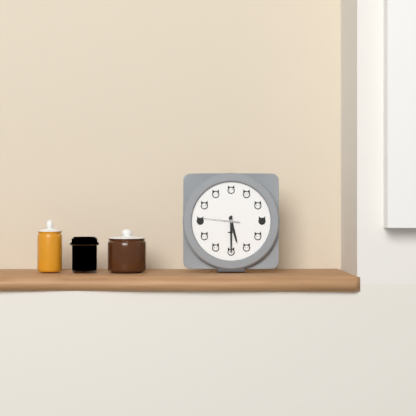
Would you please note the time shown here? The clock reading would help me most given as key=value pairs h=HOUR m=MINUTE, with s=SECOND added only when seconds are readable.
h=5 m=30
